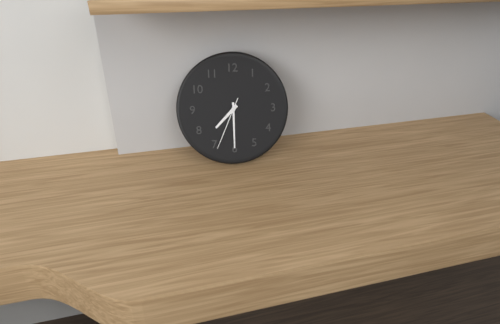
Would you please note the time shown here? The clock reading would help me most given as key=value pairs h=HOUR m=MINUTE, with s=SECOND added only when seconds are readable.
h=7 m=30 s=34
